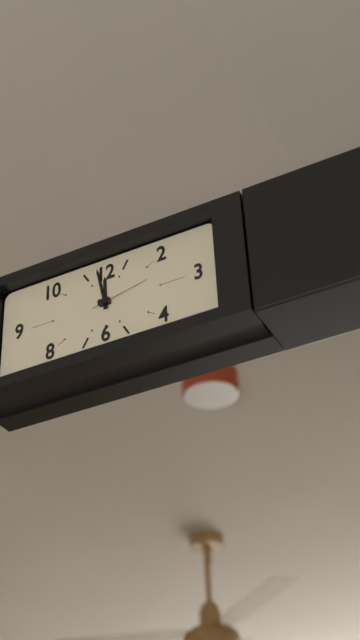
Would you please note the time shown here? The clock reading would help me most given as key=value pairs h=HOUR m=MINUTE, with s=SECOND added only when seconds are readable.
h=11 m=58 s=13
